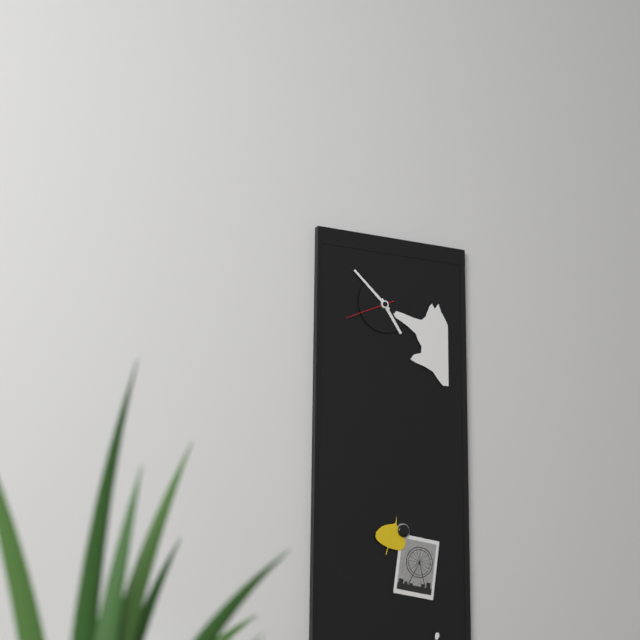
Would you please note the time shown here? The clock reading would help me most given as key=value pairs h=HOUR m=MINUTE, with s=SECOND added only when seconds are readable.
h=4 m=52 s=41
